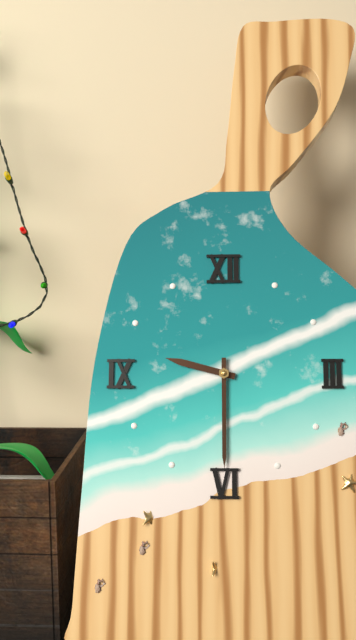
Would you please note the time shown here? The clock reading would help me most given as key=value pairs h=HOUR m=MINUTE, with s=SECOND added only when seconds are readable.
h=9 m=30
